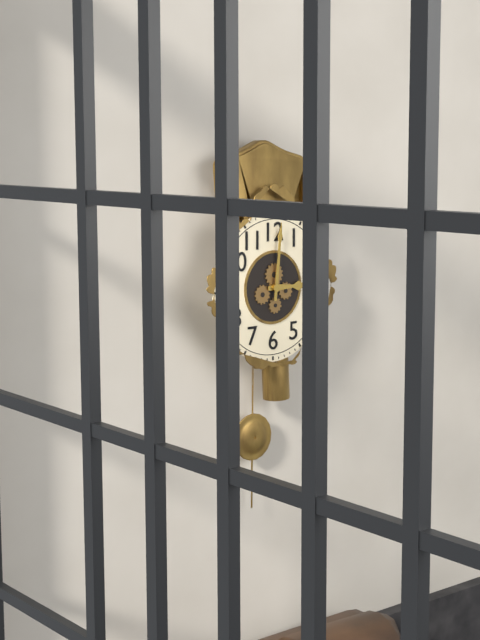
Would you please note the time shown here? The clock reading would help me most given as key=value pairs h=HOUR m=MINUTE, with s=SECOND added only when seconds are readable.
h=3 m=1
